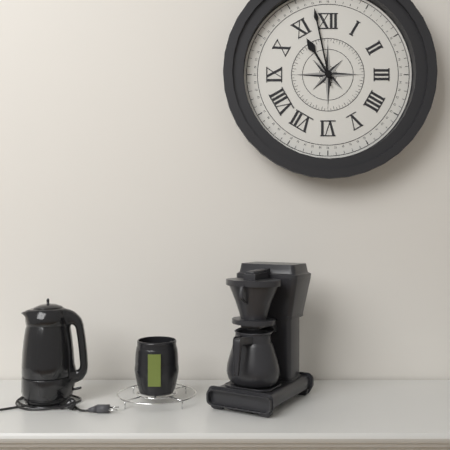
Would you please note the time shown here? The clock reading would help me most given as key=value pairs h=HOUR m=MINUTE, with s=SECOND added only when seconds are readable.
h=10 m=58
